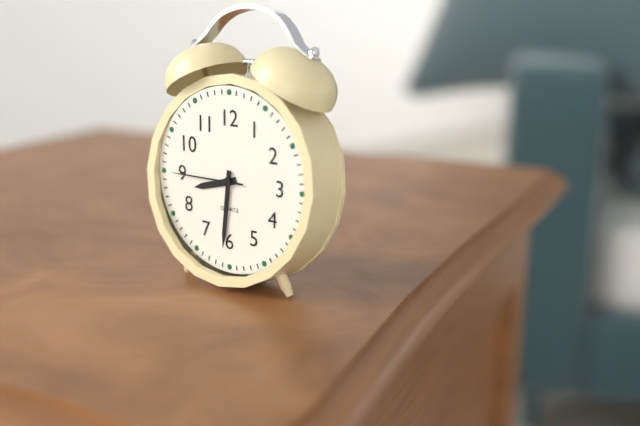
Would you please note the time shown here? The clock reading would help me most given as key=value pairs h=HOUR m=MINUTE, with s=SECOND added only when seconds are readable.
h=8 m=31 s=45
